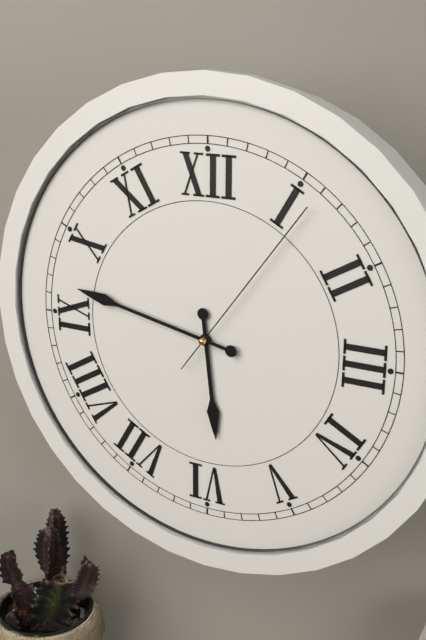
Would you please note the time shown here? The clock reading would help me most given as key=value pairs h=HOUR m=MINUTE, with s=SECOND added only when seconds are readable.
h=5 m=47 s=6
